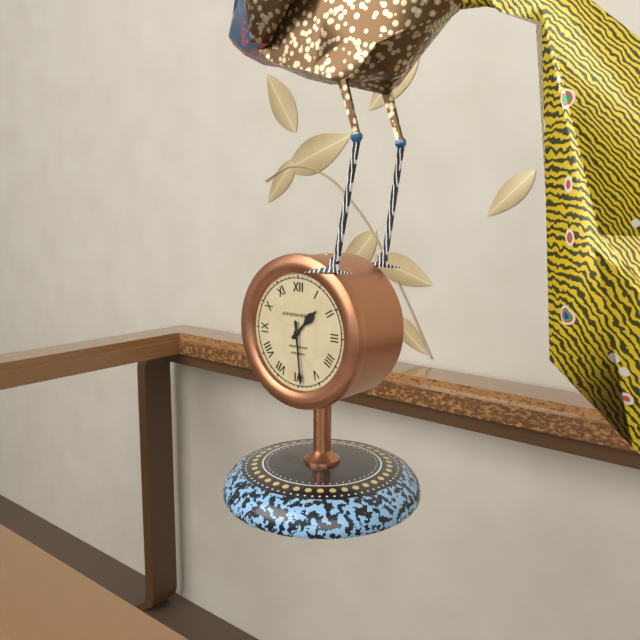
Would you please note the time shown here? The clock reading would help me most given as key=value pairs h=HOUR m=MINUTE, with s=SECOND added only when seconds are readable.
h=1 m=29
